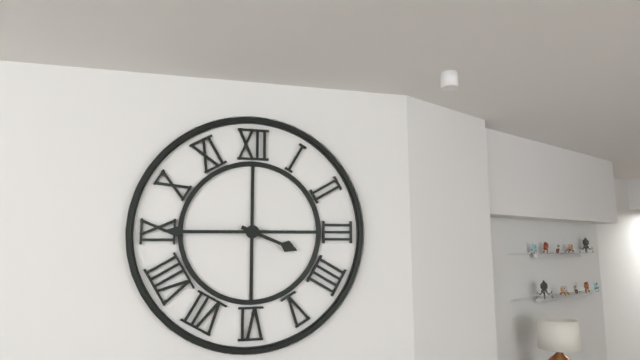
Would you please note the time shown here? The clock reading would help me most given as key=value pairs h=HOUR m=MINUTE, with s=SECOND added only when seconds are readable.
h=3 m=45
